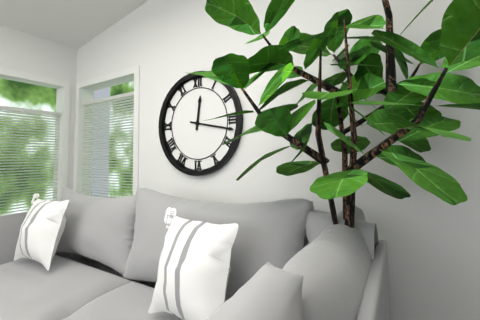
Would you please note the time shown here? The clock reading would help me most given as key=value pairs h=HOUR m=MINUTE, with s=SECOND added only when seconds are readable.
h=12 m=17
